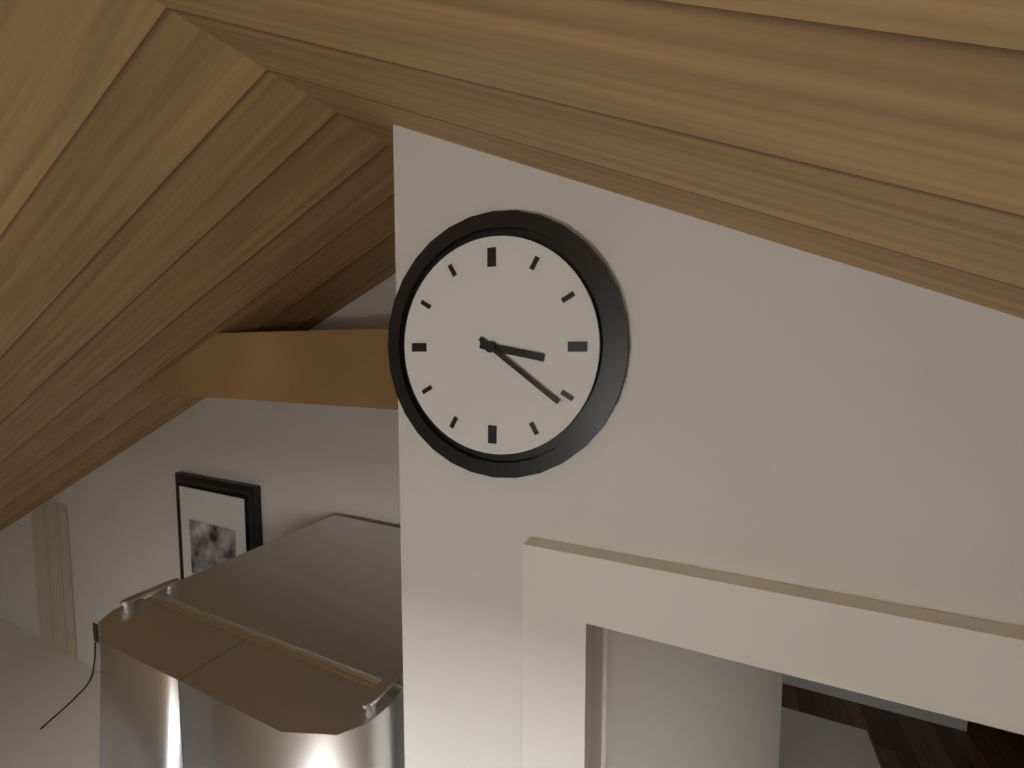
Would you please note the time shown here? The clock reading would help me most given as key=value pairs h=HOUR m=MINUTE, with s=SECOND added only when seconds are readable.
h=3 m=21
